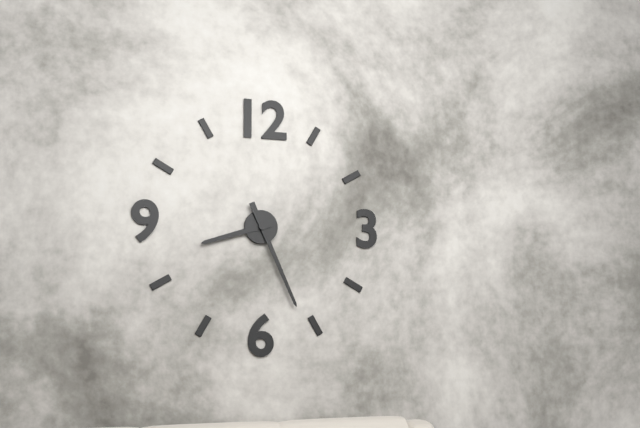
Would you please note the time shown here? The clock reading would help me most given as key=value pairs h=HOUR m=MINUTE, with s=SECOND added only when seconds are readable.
h=8 m=26
